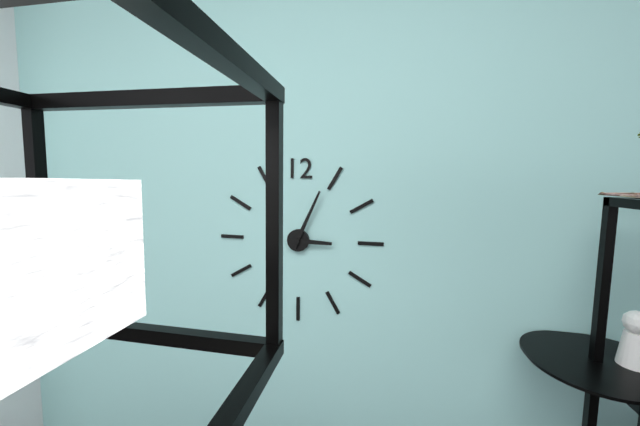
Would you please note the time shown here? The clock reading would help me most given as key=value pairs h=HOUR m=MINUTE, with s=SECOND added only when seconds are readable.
h=3 m=4
